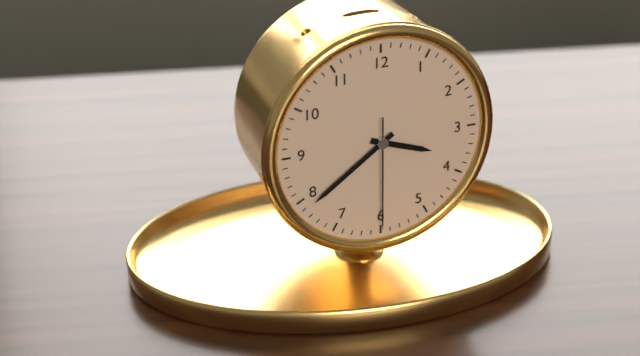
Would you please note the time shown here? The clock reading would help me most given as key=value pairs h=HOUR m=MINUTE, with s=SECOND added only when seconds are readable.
h=3 m=39 s=30
